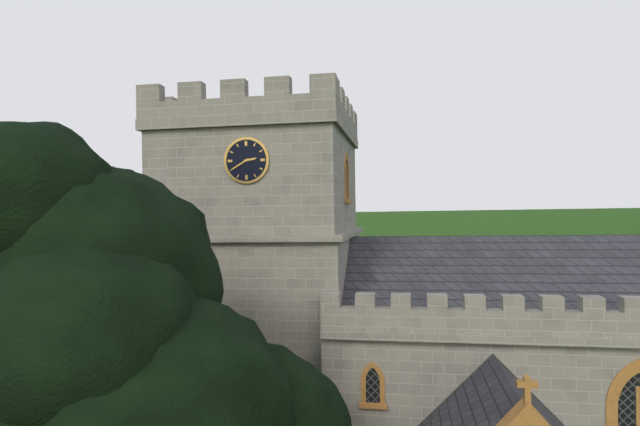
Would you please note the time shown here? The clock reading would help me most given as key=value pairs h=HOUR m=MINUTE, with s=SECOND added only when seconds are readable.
h=2 m=40
